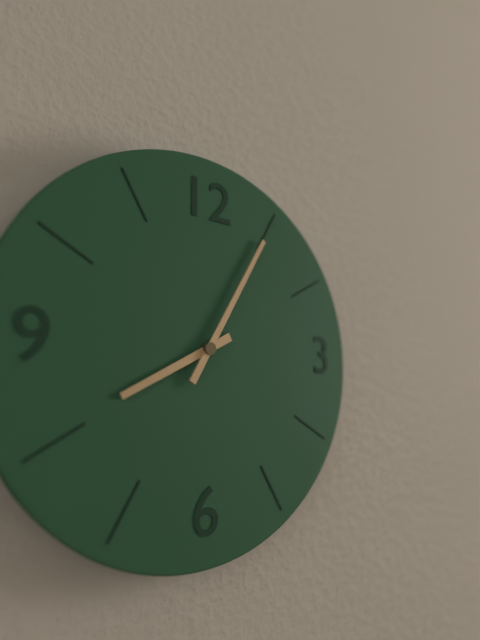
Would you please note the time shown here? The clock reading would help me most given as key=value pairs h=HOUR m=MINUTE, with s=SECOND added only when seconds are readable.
h=8 m=5
